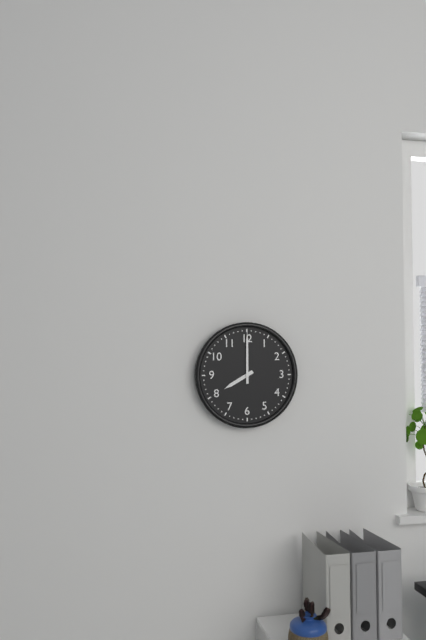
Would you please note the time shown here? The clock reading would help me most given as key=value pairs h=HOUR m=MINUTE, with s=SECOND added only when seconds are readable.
h=8 m=0
